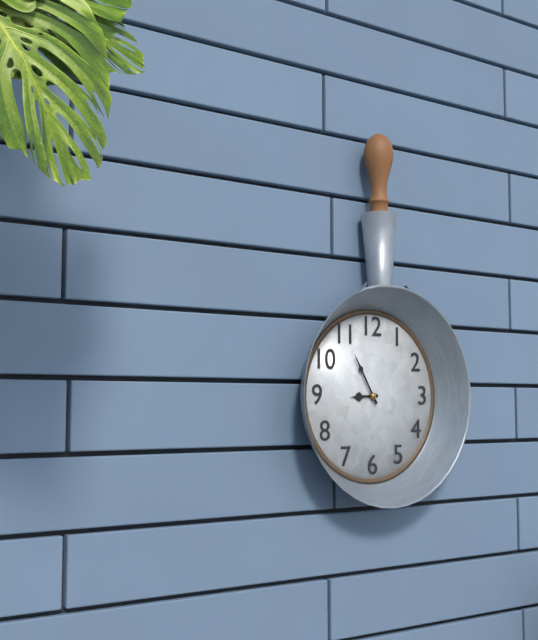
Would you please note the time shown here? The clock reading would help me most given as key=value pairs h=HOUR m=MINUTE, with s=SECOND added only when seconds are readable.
h=8 m=55
